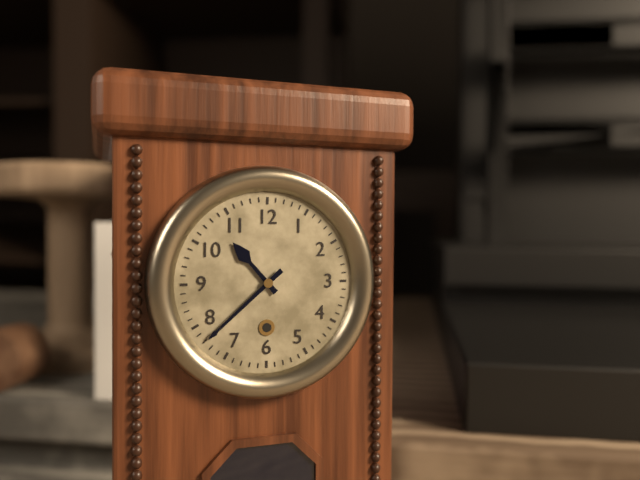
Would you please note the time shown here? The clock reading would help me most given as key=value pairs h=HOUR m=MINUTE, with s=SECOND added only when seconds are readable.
h=10 m=38
